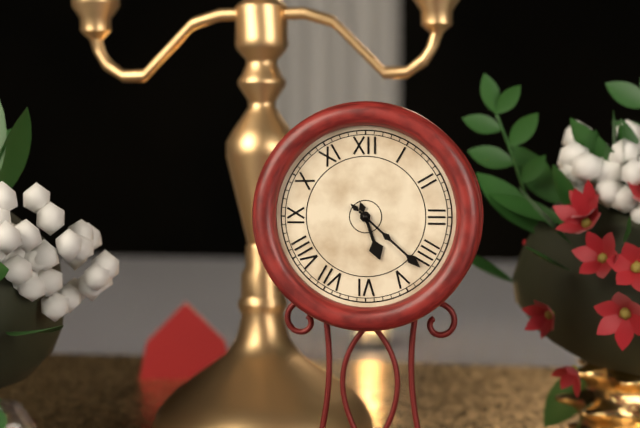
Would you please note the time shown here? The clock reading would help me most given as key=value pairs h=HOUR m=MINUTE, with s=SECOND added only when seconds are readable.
h=5 m=22
